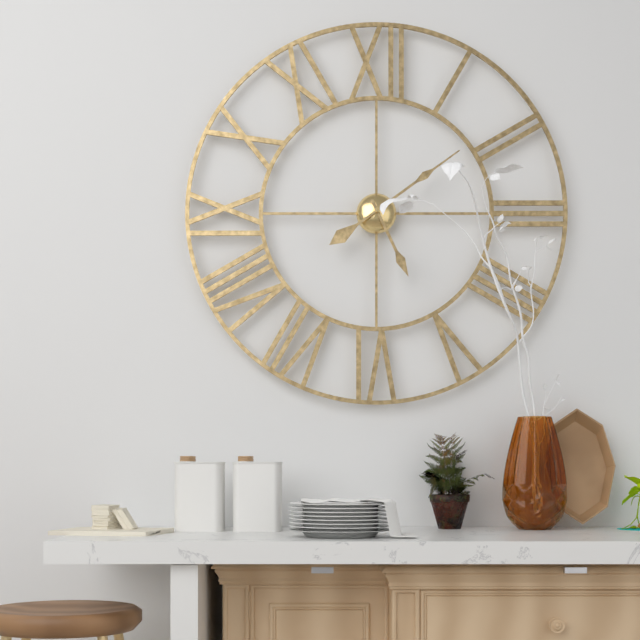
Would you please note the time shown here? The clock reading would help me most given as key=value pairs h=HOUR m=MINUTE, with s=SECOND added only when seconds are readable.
h=5 m=9
